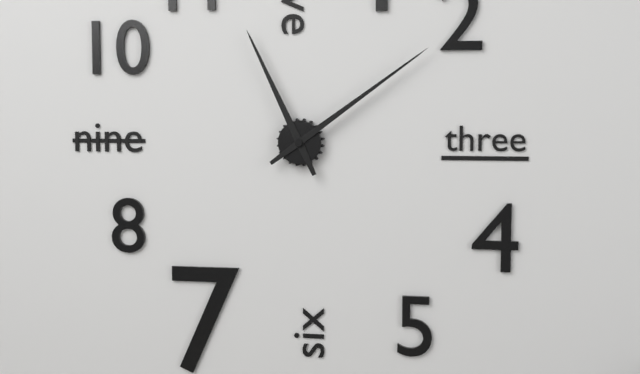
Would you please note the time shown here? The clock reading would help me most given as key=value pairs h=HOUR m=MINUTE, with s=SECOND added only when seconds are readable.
h=11 m=9
